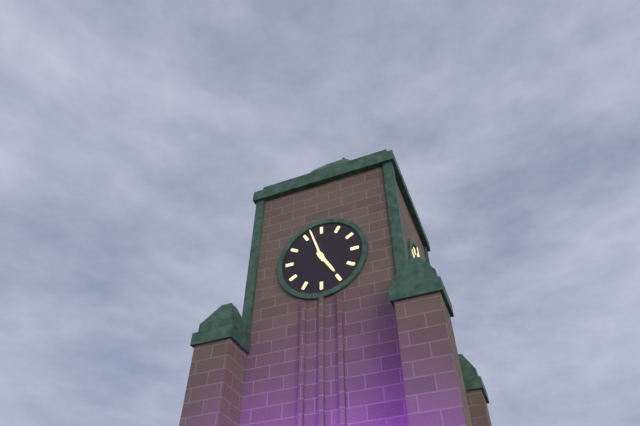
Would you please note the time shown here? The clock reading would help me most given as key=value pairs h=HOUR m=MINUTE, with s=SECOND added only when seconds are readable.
h=4 m=57
